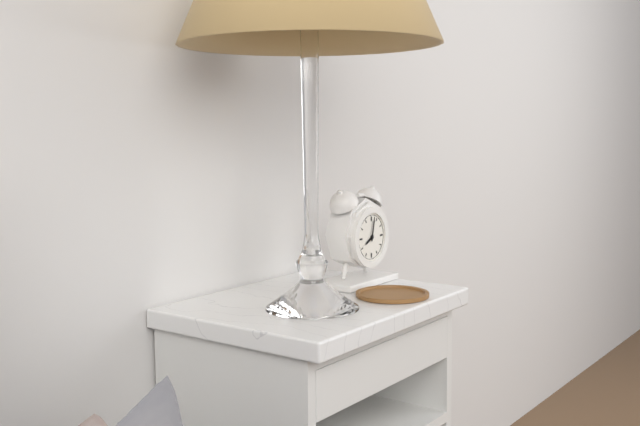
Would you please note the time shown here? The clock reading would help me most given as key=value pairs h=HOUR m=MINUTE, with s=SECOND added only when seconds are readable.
h=8 m=2
